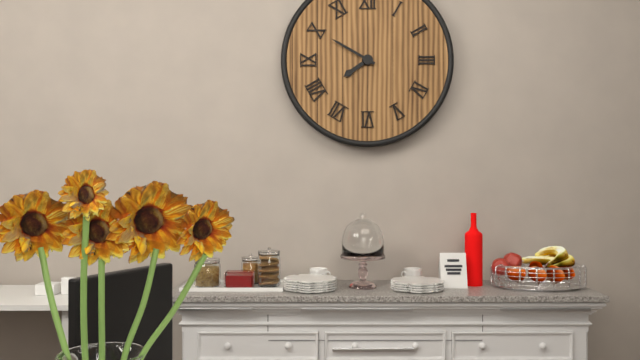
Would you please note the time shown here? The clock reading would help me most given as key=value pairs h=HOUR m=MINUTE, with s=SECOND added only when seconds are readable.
h=7 m=50
